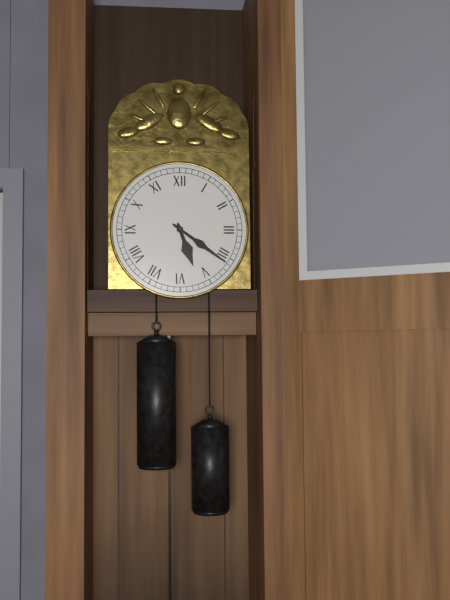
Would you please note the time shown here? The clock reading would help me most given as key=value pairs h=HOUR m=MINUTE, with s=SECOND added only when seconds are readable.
h=5 m=21
